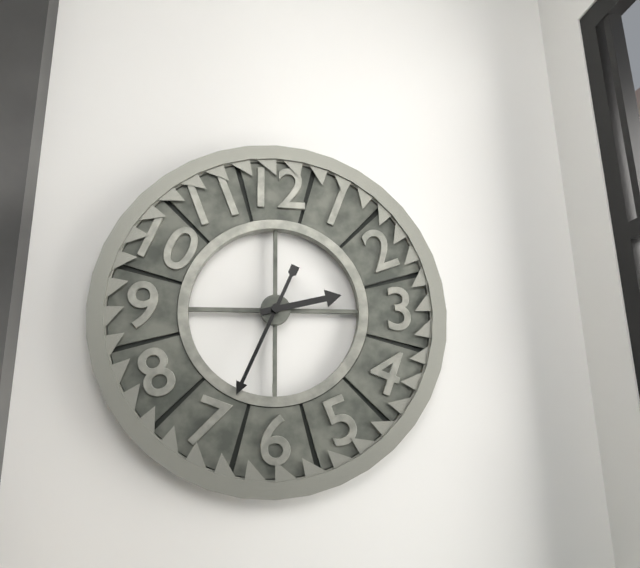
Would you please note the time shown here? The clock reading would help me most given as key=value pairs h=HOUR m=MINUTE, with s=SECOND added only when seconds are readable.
h=2 m=34
